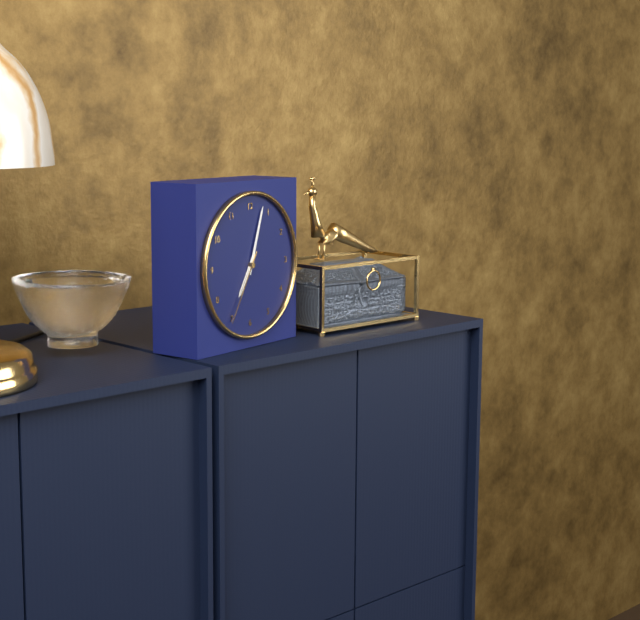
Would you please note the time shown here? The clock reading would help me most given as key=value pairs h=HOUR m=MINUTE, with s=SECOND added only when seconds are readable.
h=7 m=3 s=35
